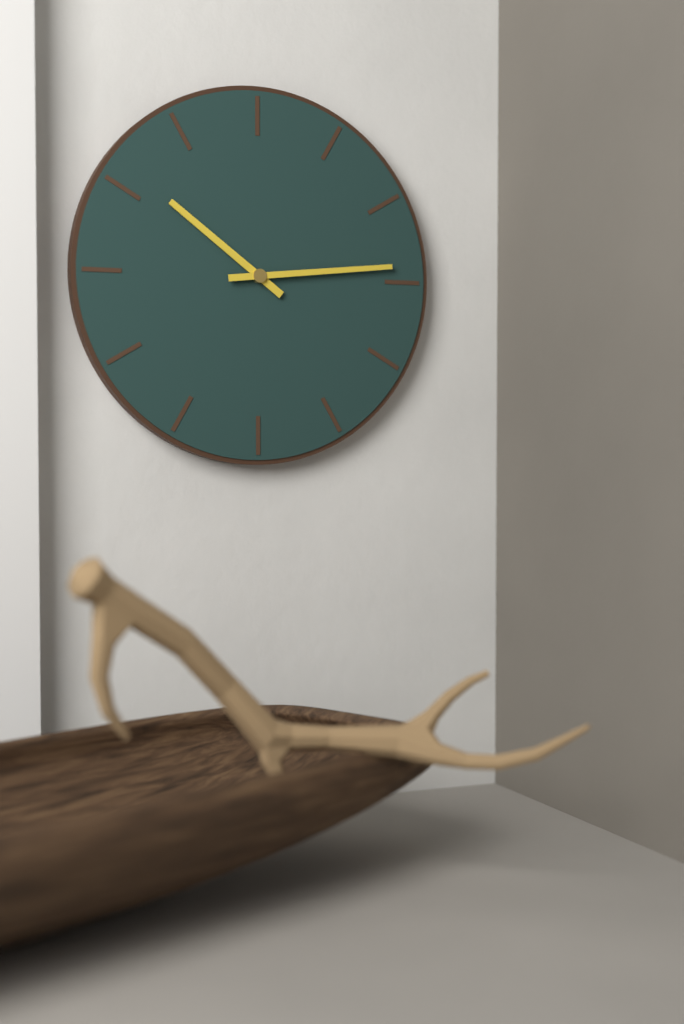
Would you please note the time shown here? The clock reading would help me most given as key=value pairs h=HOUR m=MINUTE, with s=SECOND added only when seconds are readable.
h=10 m=14
